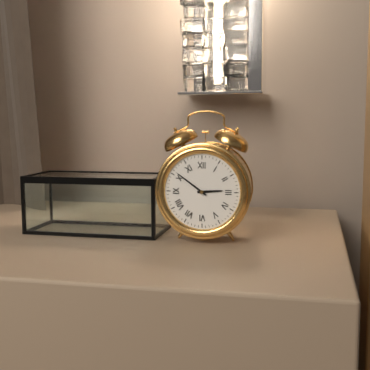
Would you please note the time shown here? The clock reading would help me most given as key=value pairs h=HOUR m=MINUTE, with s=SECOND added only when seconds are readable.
h=2 m=51
